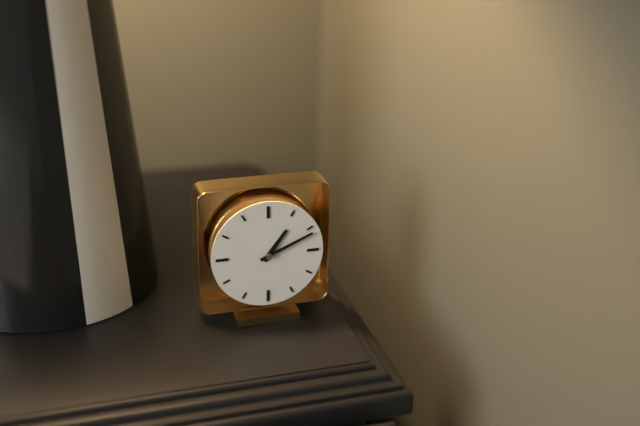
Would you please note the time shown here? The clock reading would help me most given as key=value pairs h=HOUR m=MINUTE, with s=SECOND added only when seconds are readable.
h=1 m=11
